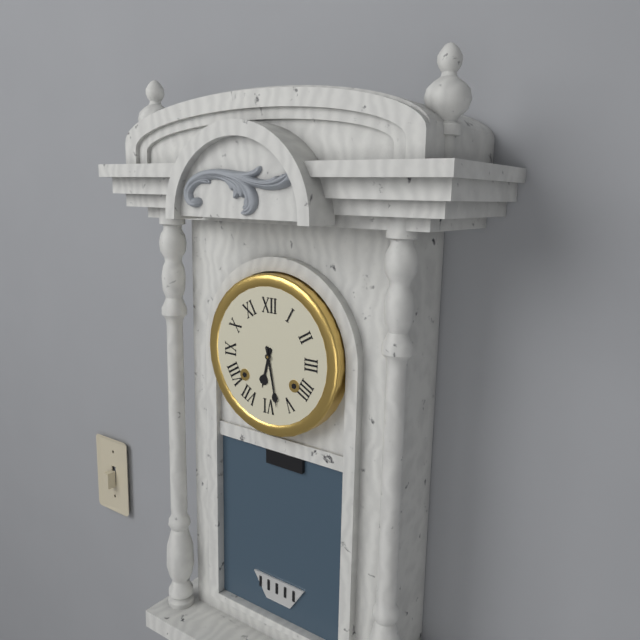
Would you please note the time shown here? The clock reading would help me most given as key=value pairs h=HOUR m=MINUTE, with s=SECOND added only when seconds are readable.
h=6 m=28
